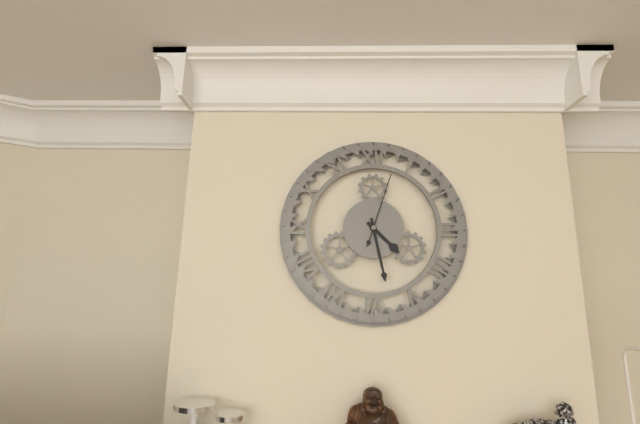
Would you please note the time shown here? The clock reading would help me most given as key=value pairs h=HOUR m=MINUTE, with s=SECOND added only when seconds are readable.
h=4 m=28 s=3
